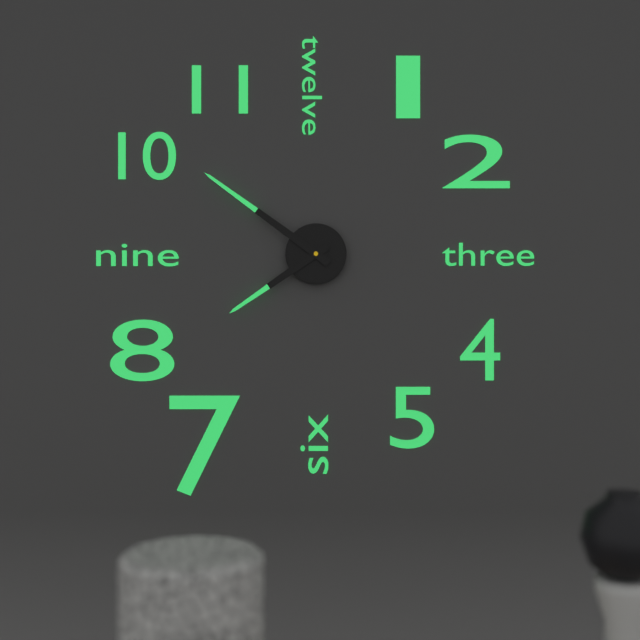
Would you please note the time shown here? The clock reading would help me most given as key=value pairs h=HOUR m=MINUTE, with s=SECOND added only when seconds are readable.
h=7 m=51
